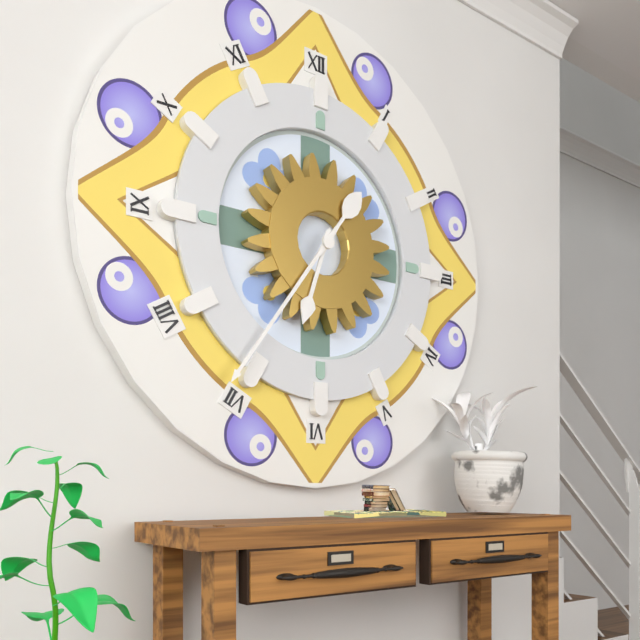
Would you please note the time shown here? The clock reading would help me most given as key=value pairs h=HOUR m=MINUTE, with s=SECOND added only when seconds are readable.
h=6 m=36
